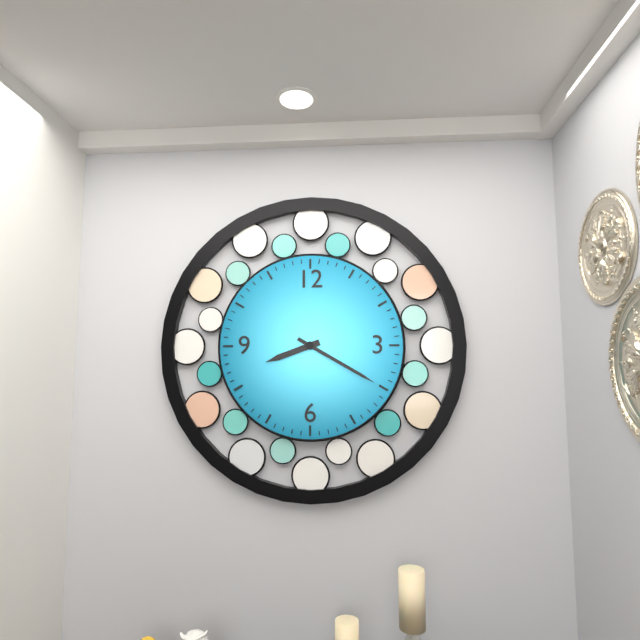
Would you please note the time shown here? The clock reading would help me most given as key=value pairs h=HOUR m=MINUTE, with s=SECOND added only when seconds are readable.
h=8 m=20
